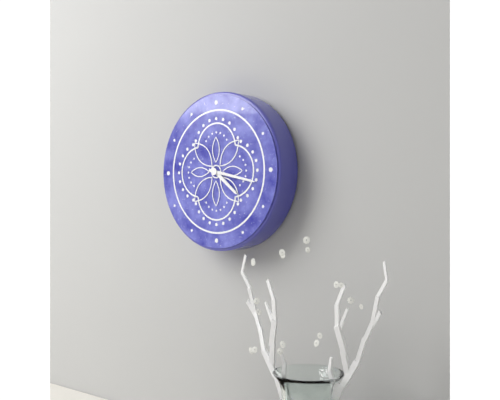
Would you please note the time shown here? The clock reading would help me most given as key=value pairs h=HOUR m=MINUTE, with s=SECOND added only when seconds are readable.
h=4 m=17
